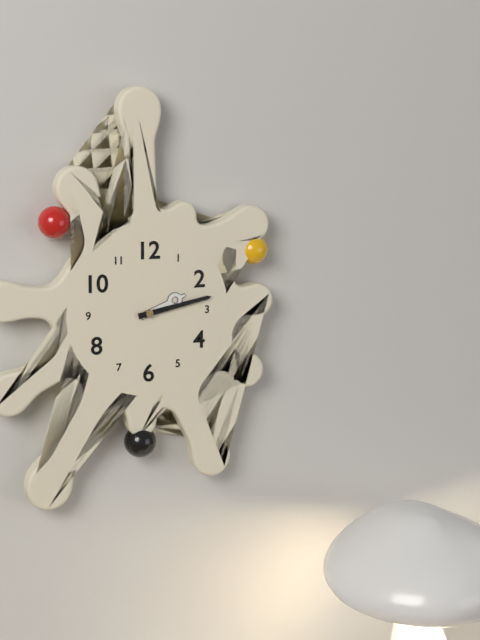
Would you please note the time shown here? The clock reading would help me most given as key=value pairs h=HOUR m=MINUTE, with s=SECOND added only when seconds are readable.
h=2 m=13
